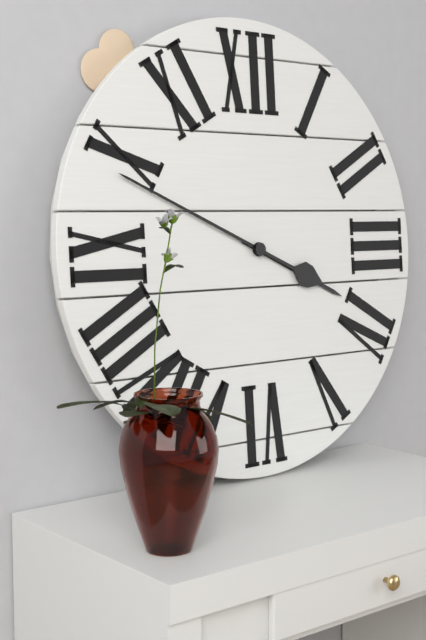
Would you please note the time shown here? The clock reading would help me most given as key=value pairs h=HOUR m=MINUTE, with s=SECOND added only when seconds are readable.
h=3 m=49
